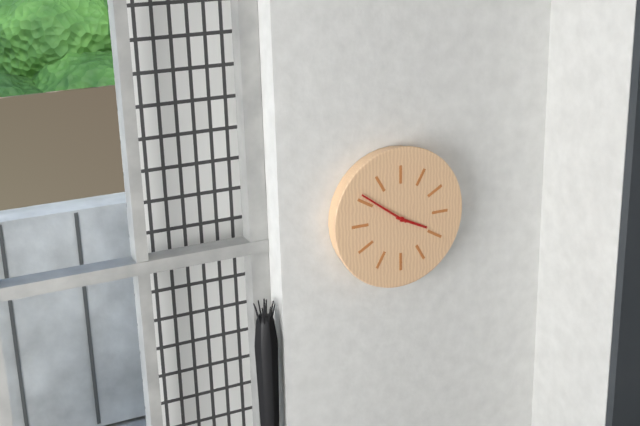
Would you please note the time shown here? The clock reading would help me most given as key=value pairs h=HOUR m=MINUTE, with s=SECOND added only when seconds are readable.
h=3 m=51
